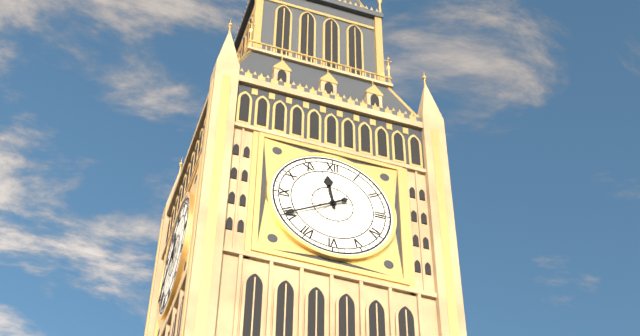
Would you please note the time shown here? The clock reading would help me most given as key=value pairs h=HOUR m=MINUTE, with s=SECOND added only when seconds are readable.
h=11 m=40
